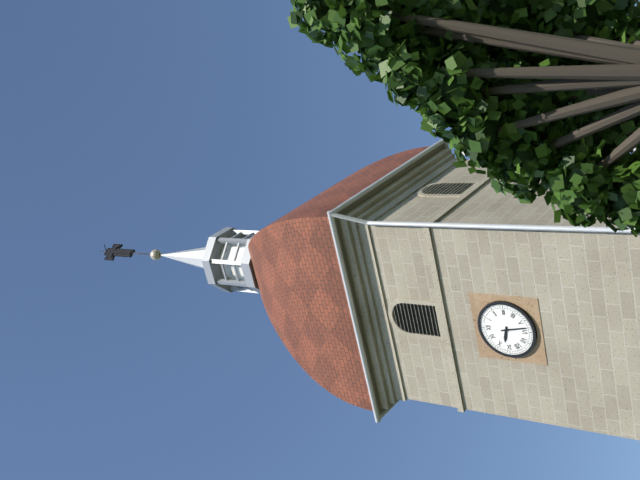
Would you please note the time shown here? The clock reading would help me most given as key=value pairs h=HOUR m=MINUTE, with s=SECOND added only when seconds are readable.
h=9 m=28
